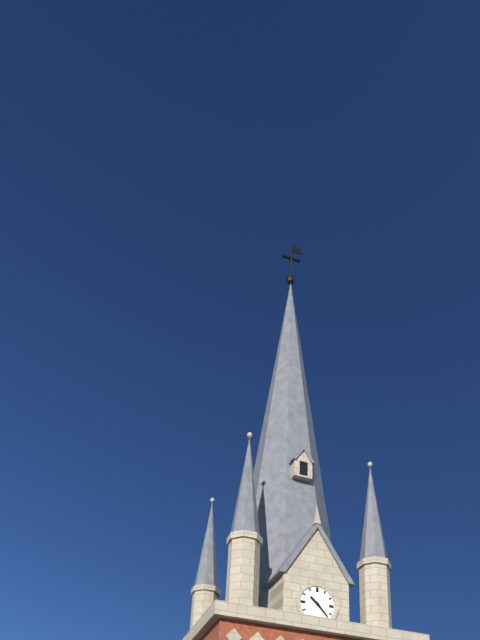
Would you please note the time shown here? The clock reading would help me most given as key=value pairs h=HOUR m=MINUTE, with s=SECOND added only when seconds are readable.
h=10 m=23
